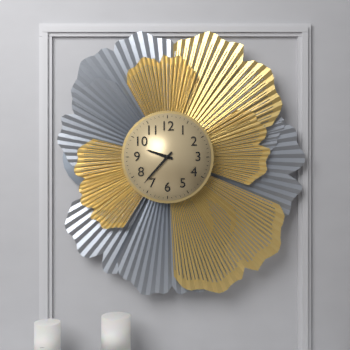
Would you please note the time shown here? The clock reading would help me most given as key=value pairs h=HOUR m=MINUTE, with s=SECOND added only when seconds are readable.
h=9 m=37
